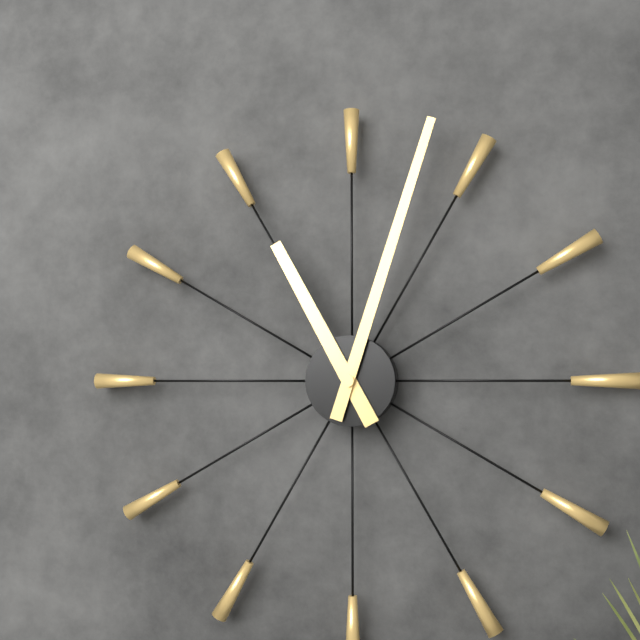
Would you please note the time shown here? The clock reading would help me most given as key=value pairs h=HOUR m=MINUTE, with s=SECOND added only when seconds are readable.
h=11 m=3
